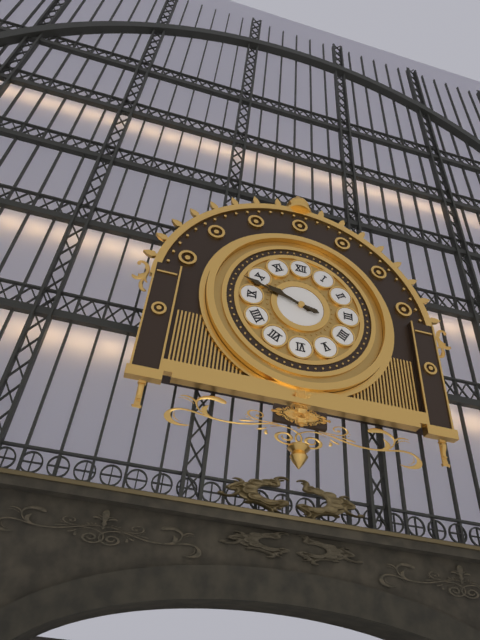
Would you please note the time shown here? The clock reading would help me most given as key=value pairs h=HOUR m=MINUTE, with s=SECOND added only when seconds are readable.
h=9 m=48
